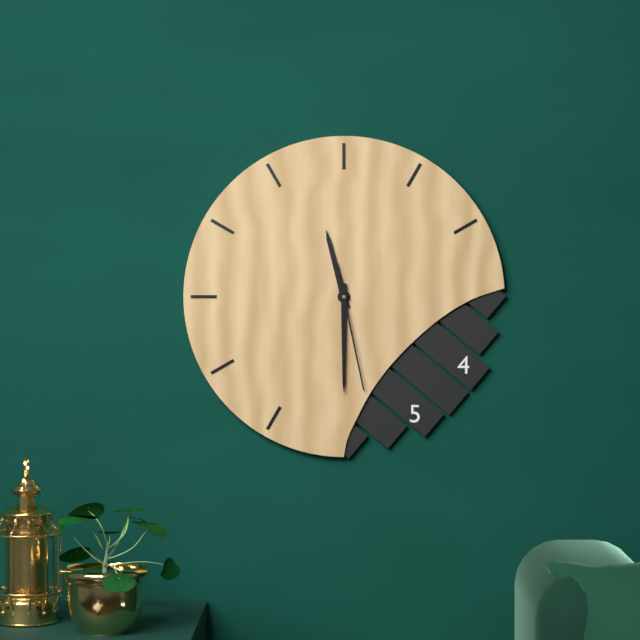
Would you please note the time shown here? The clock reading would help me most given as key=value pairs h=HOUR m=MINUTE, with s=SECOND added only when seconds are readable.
h=11 m=30 s=28
